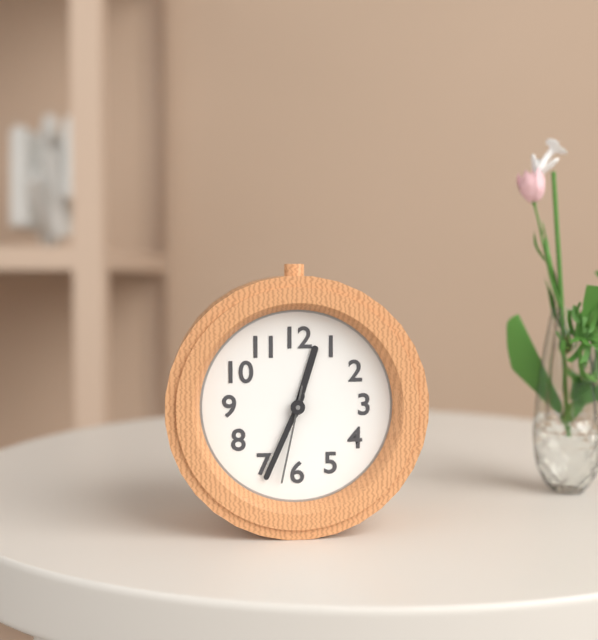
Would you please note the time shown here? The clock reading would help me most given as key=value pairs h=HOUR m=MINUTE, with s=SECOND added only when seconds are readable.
h=12 m=34 s=32
